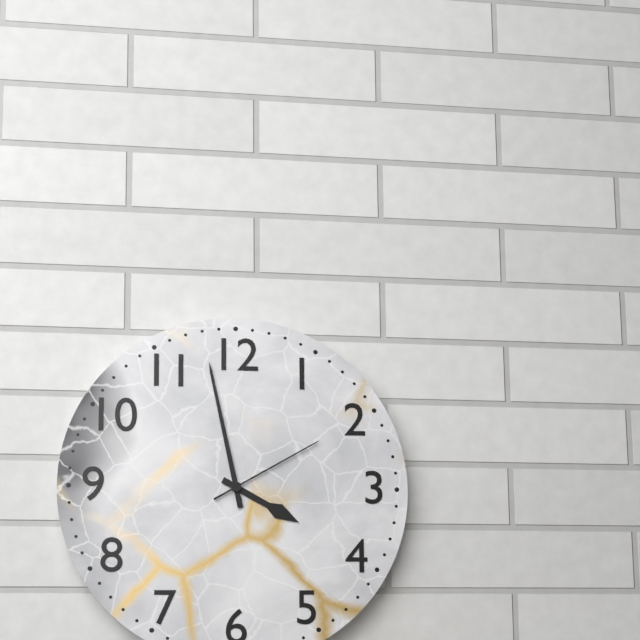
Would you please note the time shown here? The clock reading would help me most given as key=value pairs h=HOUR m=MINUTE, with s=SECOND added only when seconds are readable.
h=3 m=58 s=10
